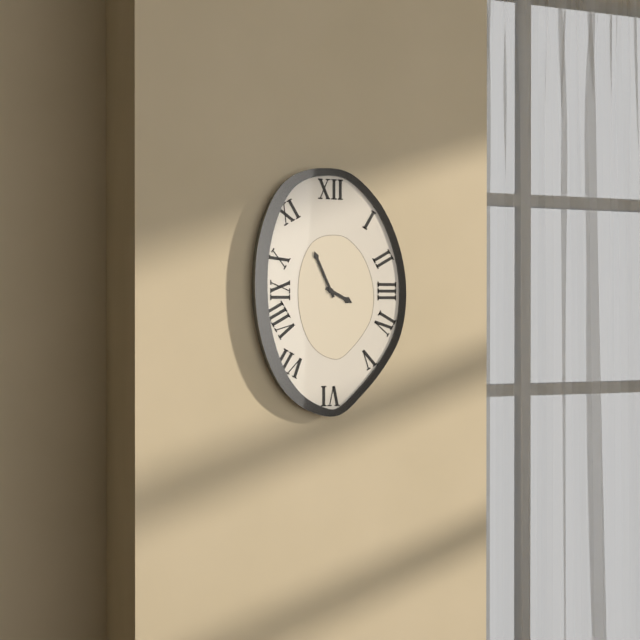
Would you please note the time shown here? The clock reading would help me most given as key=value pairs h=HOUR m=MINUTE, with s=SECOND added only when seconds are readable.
h=3 m=56
